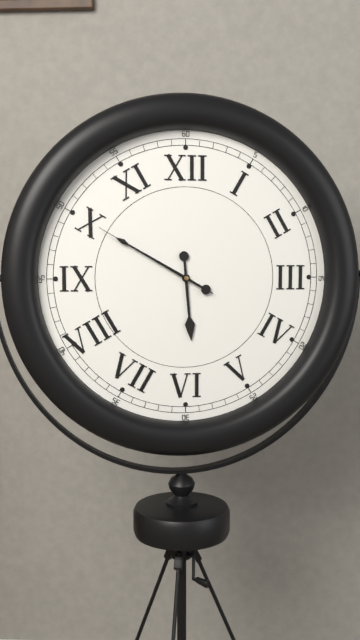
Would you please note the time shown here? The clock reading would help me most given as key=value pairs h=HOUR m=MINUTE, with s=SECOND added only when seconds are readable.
h=5 m=50 s=50
